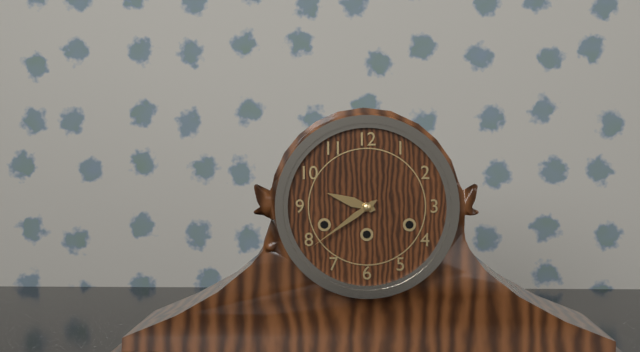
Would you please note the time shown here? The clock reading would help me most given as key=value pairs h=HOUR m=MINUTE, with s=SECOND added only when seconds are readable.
h=9 m=39
